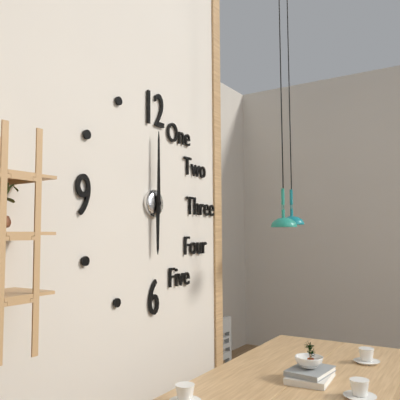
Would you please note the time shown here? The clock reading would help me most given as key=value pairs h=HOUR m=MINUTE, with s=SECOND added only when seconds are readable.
h=6 m=0
